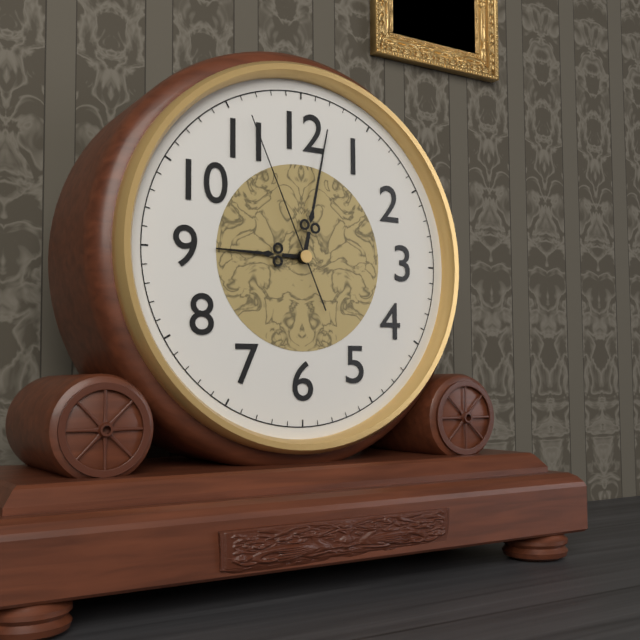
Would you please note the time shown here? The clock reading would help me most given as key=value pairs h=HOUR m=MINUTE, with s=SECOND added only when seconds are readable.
h=9 m=2 s=56
